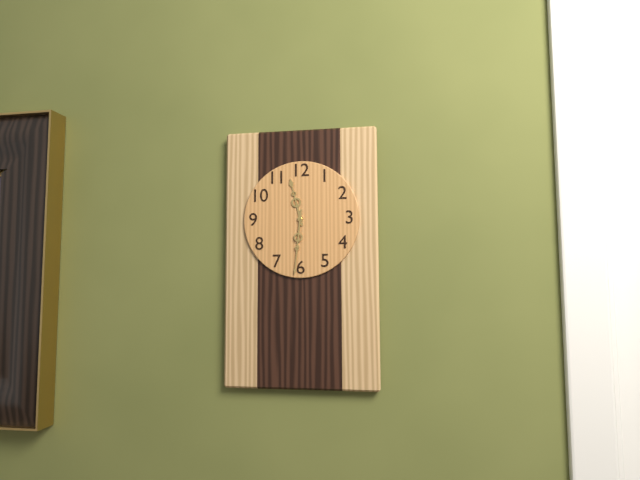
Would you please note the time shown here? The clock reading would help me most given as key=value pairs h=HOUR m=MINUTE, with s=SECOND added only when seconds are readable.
h=11 m=31
